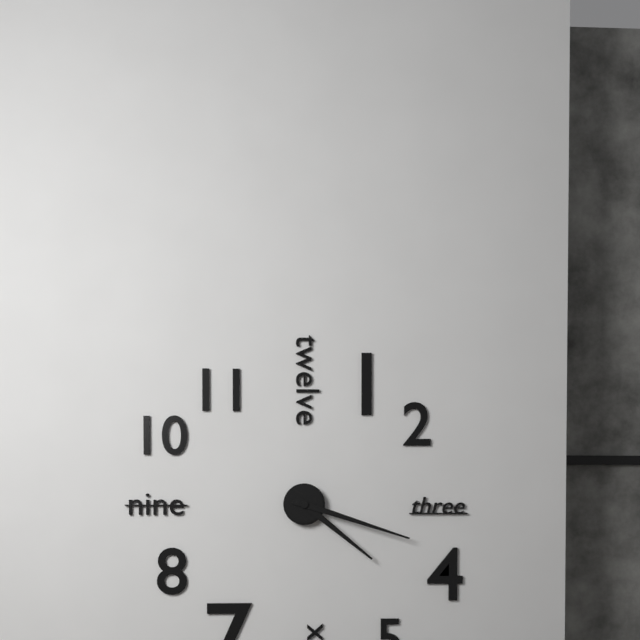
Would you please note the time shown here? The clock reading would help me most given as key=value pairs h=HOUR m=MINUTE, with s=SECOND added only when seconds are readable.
h=4 m=18
